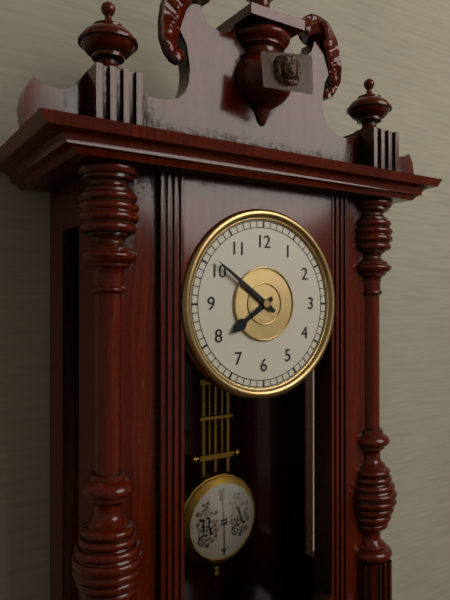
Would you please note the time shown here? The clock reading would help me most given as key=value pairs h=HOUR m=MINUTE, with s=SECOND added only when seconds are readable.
h=7 m=51
